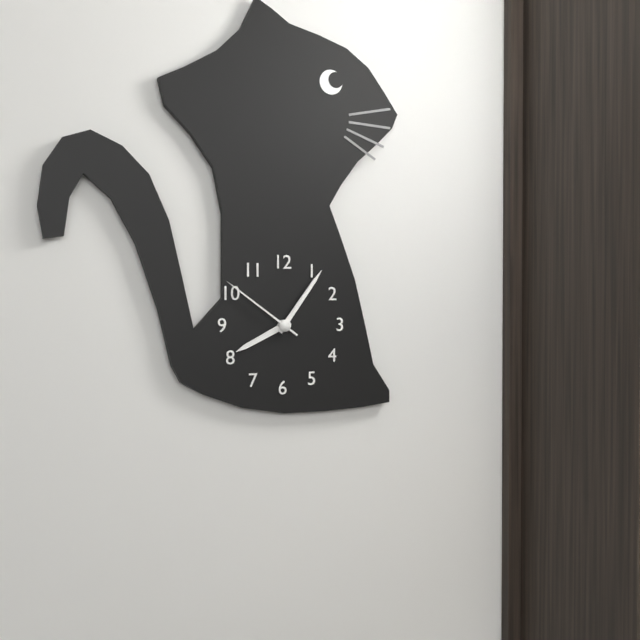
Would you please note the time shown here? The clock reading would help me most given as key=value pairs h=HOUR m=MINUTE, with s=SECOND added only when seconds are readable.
h=8 m=6 s=51
